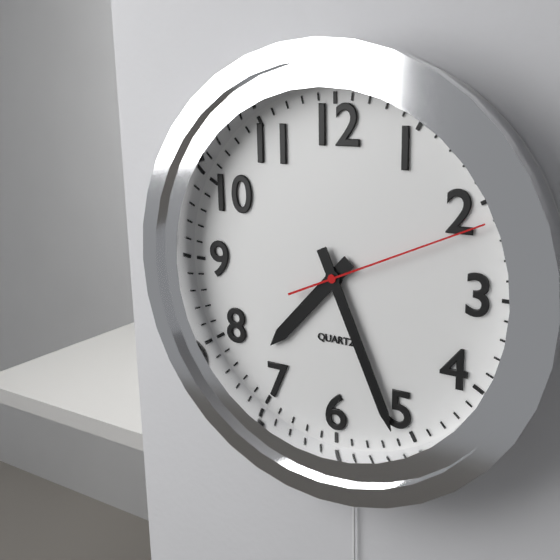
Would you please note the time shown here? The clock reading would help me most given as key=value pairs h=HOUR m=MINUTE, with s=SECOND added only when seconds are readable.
h=7 m=26 s=11
